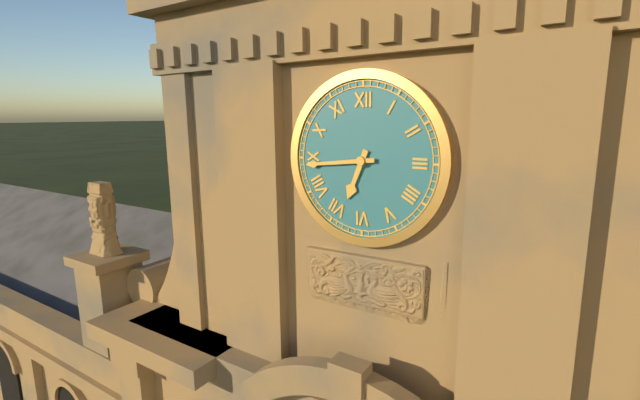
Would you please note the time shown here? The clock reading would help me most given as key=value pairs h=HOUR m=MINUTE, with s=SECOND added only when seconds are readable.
h=6 m=44
